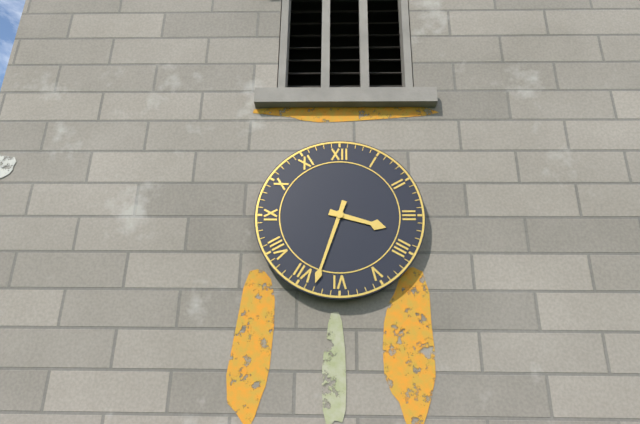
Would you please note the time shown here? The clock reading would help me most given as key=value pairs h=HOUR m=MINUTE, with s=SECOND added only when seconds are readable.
h=3 m=33
